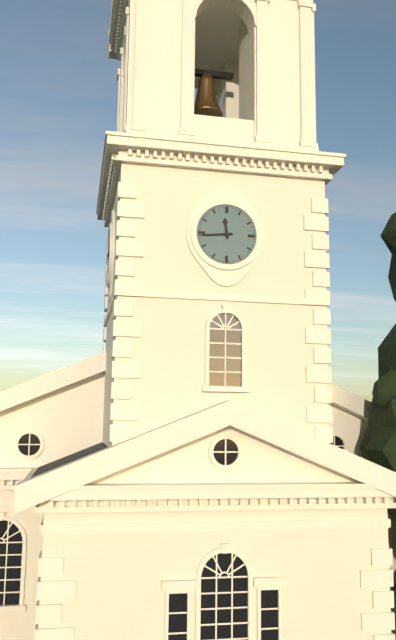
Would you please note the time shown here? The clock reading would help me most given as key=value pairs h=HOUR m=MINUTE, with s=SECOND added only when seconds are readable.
h=11 m=44
